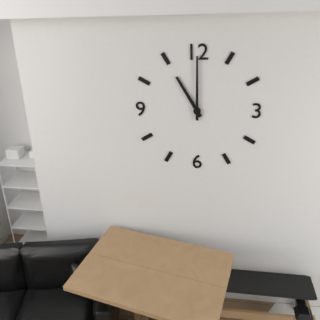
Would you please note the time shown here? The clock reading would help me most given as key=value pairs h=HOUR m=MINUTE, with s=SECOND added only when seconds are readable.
h=11 m=0
